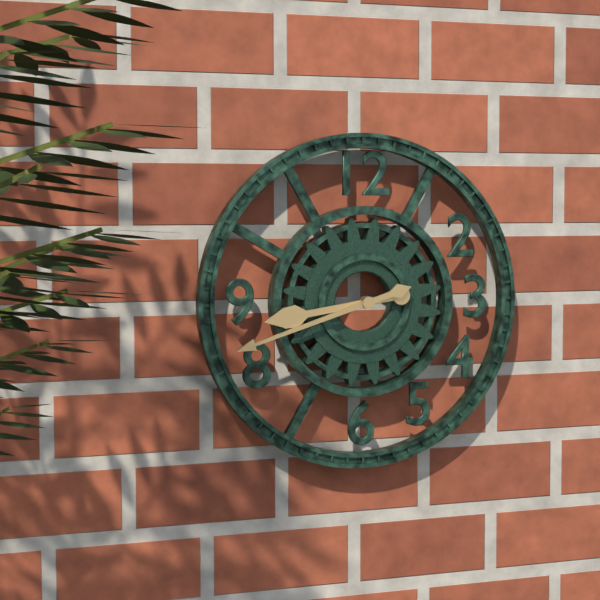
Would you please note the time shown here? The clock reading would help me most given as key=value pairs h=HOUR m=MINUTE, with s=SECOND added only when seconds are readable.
h=8 m=42
